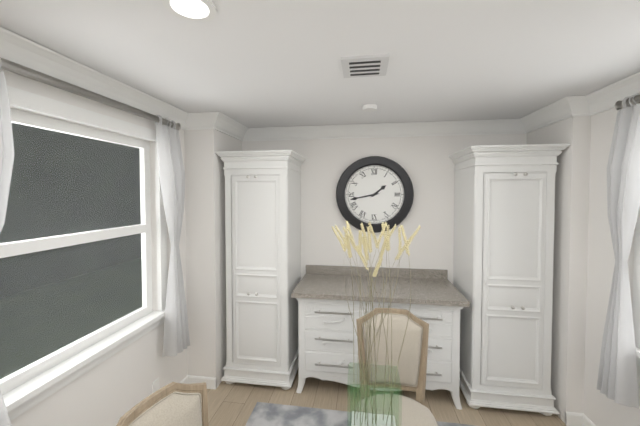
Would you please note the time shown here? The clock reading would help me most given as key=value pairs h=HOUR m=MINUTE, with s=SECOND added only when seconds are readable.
h=1 m=43
